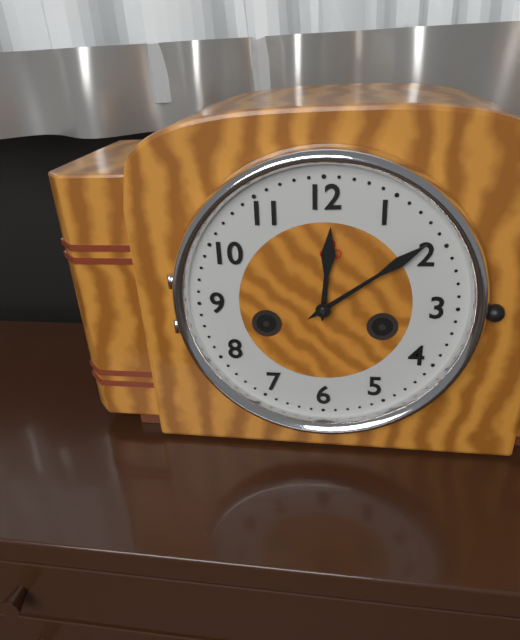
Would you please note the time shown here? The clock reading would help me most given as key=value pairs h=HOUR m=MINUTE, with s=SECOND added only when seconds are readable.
h=12 m=9
